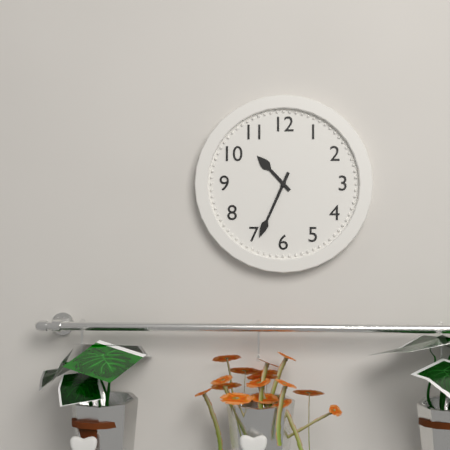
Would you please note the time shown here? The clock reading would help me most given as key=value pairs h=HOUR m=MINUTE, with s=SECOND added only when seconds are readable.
h=10 m=34
